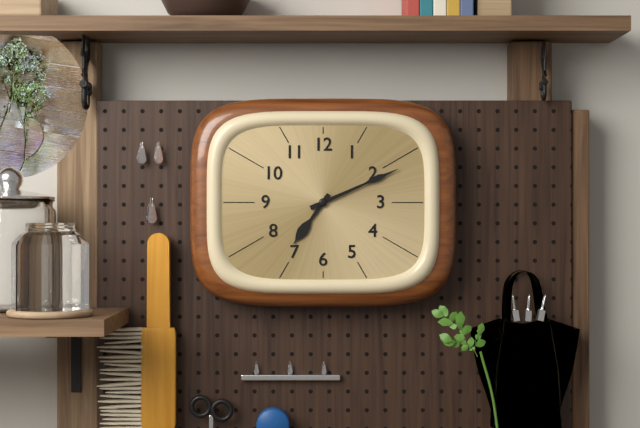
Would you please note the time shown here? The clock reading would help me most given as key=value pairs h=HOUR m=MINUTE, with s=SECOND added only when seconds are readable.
h=7 m=11
